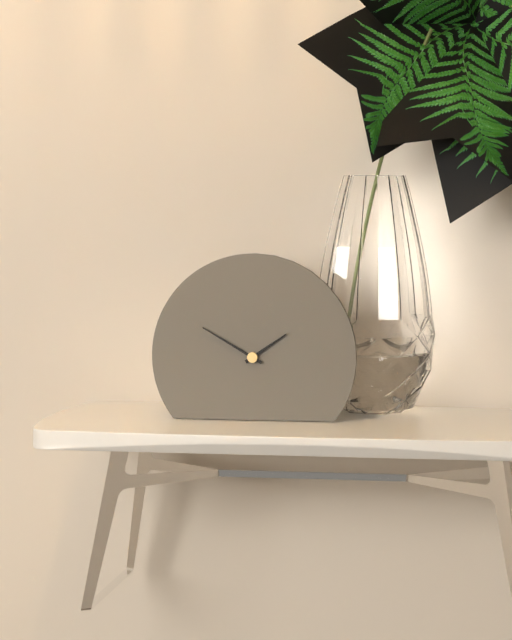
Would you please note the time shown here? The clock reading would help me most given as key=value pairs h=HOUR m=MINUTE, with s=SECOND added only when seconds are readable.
h=1 m=50
